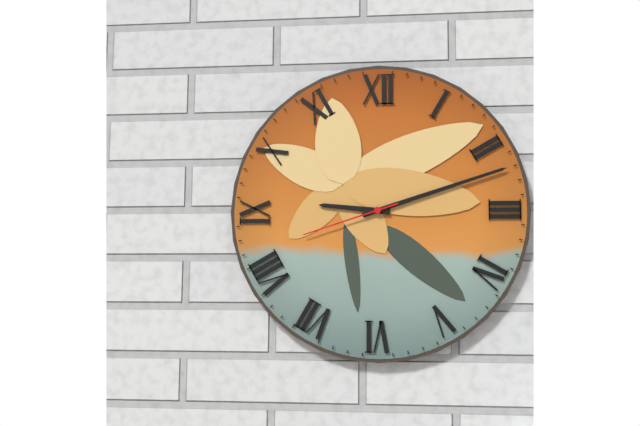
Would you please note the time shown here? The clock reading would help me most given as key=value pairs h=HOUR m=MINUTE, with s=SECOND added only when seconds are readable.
h=9 m=12 s=42
